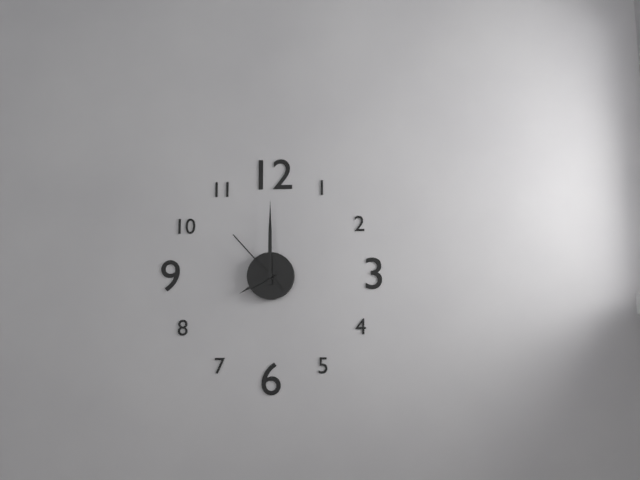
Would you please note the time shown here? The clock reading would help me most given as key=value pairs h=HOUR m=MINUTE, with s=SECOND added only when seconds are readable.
h=8 m=0 s=53
